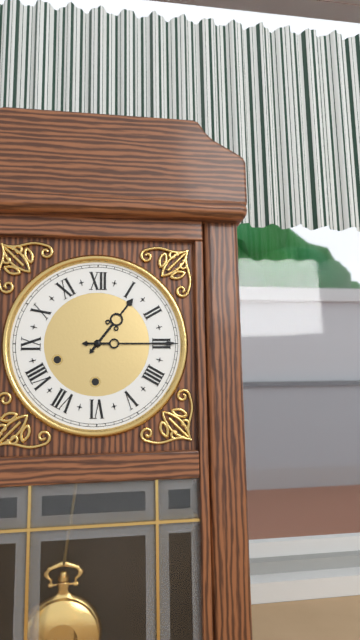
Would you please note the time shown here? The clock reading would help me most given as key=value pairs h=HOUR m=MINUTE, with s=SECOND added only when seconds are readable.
h=1 m=15
